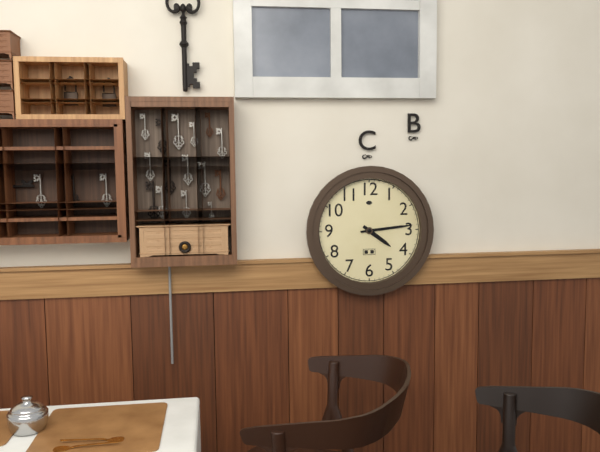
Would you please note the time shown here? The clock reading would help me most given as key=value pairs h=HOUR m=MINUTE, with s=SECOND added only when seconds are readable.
h=4 m=14
